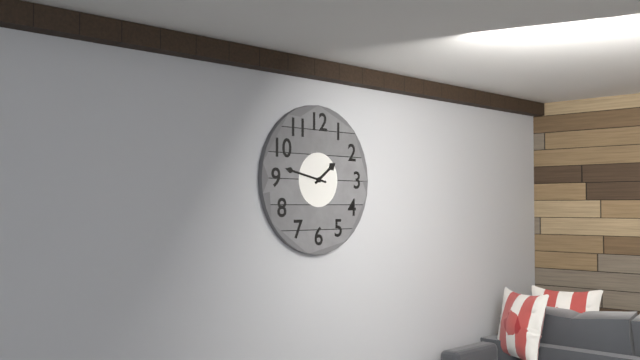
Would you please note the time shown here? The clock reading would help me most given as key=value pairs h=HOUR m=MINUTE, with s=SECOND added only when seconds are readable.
h=1 m=47
